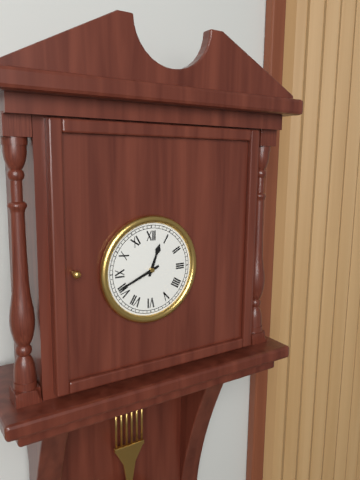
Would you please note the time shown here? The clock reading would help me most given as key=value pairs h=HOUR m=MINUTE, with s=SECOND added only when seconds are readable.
h=12 m=41
